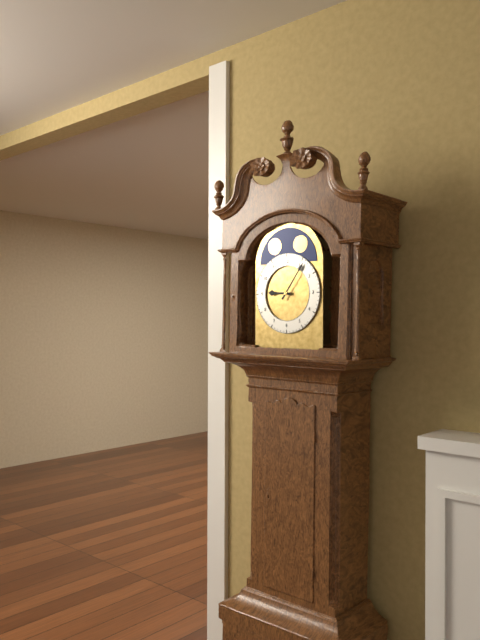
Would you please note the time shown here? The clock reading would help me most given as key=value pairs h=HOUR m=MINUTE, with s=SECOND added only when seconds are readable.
h=9 m=6
